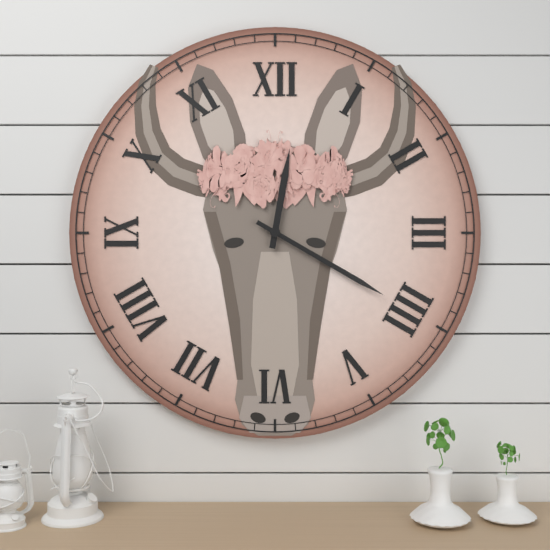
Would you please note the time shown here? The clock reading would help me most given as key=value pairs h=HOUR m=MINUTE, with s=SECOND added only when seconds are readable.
h=12 m=20
